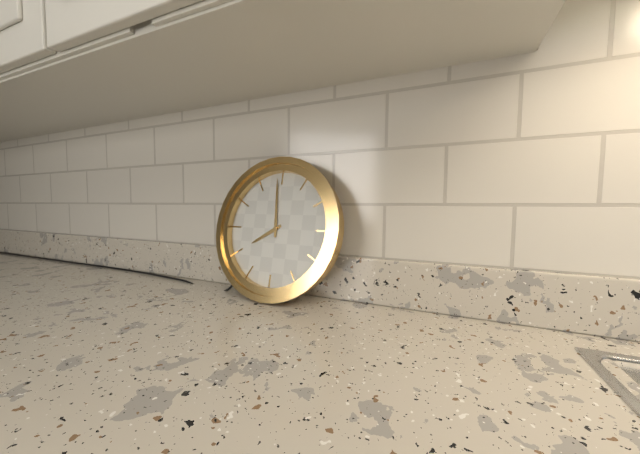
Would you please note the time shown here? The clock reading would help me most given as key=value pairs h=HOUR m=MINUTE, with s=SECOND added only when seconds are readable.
h=7 m=59
